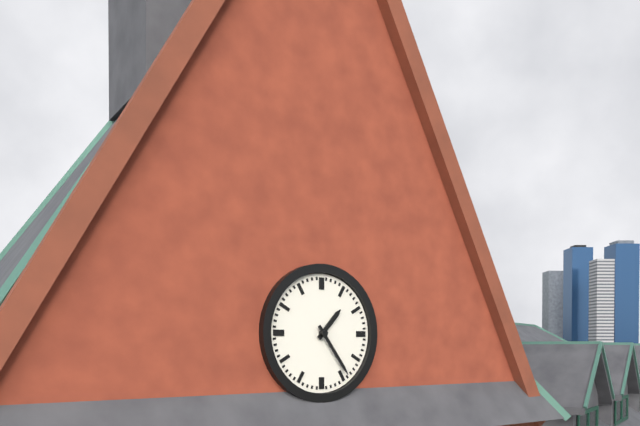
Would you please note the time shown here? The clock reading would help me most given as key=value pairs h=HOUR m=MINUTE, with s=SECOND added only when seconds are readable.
h=1 m=24
